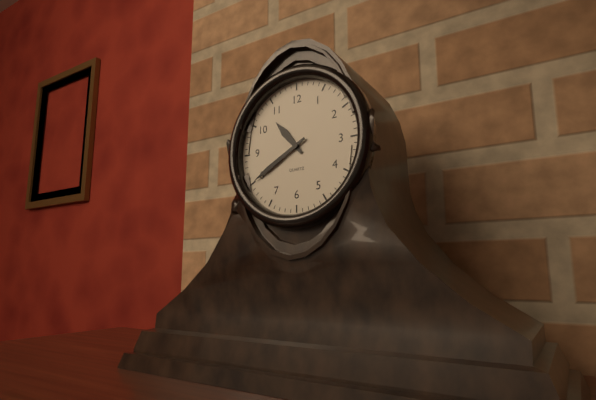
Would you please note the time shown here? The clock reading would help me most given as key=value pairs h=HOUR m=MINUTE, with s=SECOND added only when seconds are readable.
h=10 m=40
